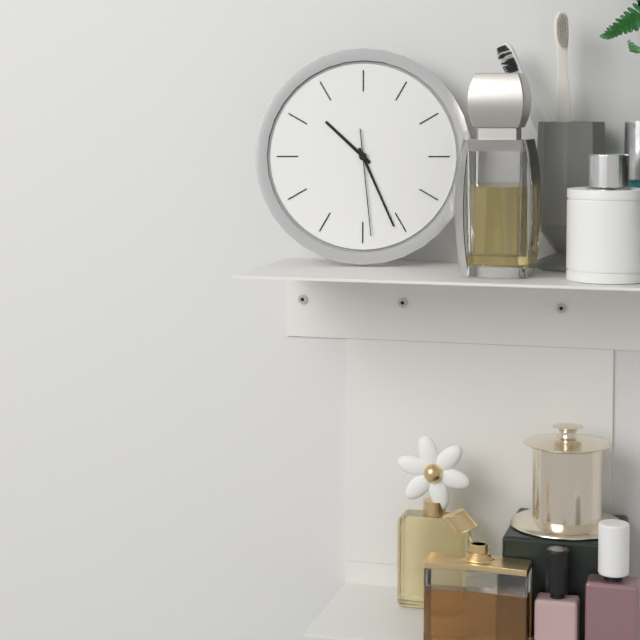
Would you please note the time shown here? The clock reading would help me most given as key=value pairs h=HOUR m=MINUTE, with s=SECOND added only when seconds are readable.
h=10 m=26 s=29
